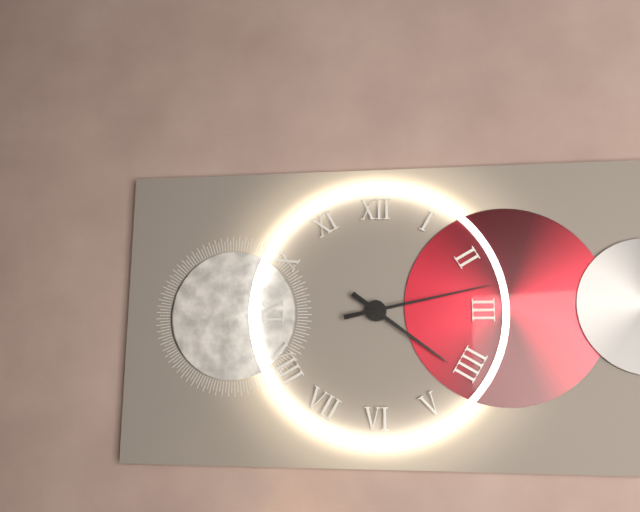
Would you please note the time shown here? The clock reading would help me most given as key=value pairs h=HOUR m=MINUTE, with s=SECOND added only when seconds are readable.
h=4 m=13
